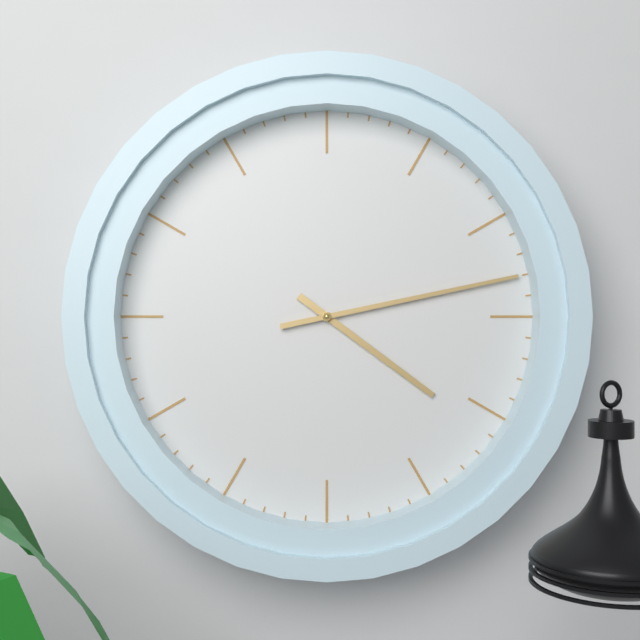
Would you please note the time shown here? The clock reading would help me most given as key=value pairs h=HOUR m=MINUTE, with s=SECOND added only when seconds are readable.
h=4 m=13
